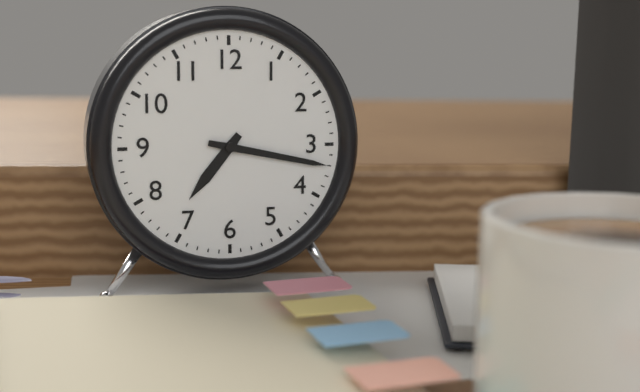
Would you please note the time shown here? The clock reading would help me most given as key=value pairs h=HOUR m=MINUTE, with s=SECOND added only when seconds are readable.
h=7 m=17
